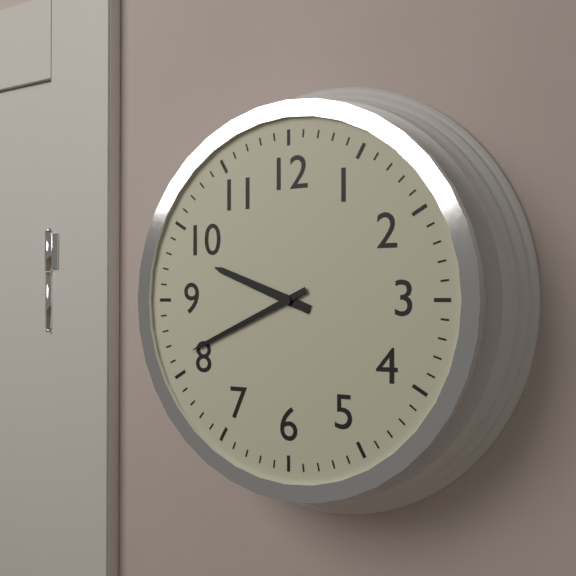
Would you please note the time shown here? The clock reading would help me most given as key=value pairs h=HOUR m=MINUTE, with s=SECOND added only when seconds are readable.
h=9 m=41
